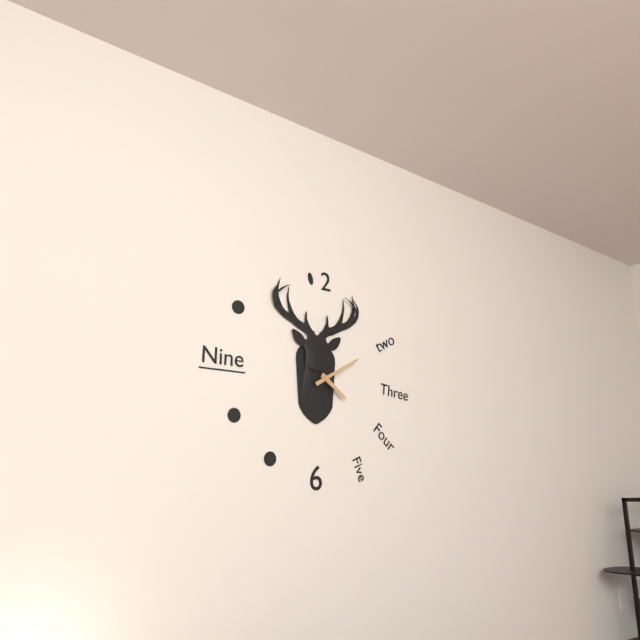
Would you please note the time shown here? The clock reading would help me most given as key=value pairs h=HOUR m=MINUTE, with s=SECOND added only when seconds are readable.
h=4 m=10
